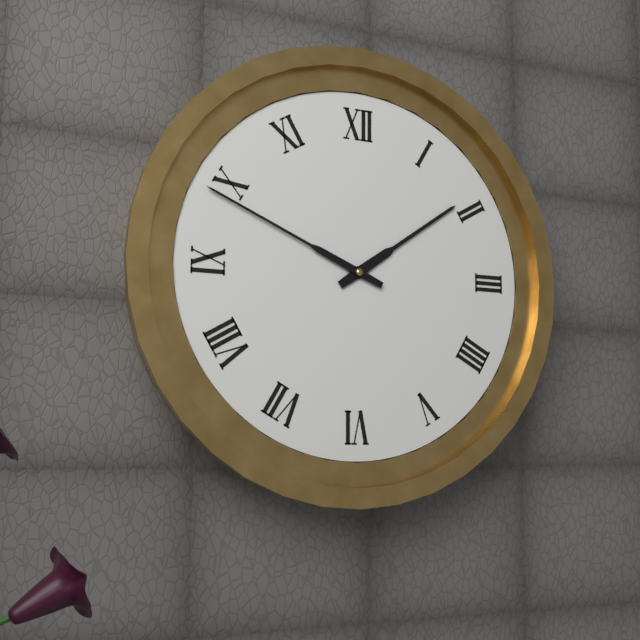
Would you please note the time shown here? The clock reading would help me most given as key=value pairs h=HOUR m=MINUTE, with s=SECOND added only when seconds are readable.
h=1 m=49
